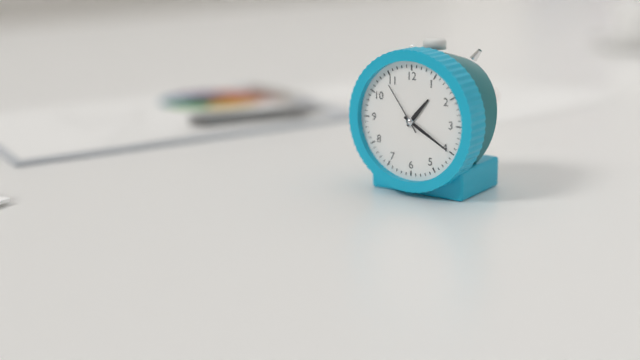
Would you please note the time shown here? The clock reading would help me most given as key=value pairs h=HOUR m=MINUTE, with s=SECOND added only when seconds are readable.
h=1 m=20 s=54
